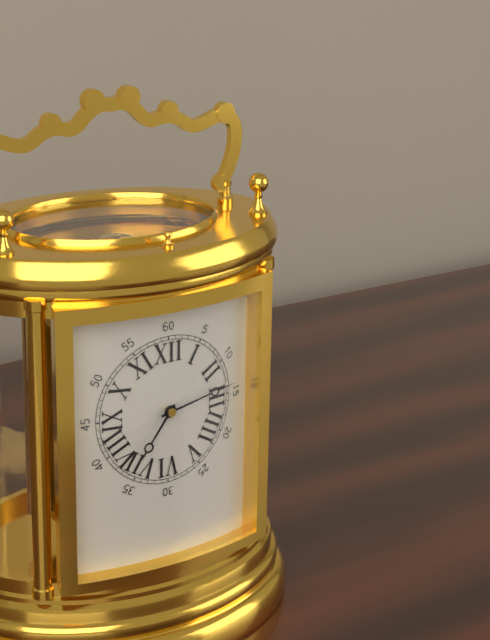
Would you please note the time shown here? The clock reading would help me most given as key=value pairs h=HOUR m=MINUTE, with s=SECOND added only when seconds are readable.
h=7 m=13
